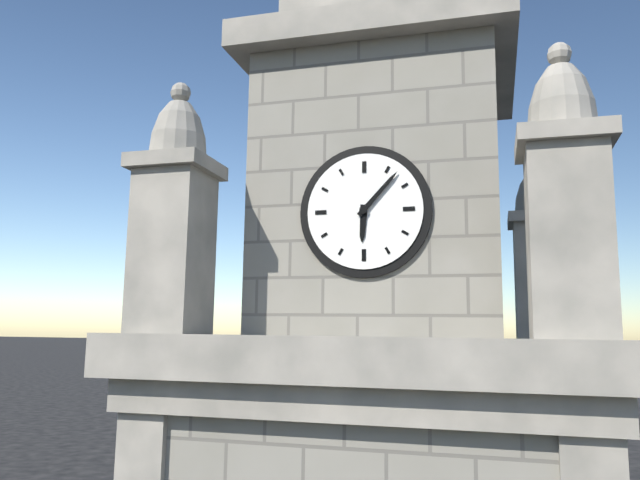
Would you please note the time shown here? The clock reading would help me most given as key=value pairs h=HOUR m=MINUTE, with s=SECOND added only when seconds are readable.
h=6 m=7
